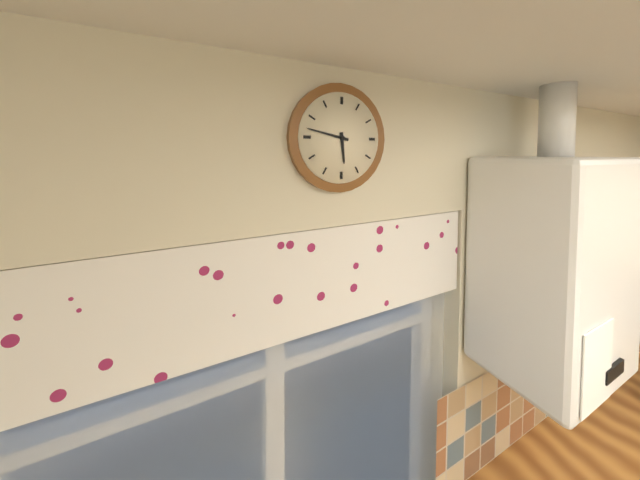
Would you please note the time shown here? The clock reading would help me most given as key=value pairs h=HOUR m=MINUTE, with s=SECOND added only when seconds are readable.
h=5 m=47
